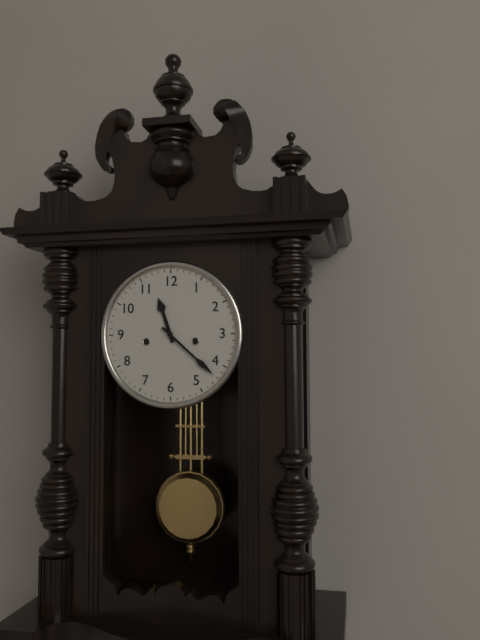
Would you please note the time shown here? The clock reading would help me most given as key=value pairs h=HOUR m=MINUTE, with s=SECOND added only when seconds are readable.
h=11 m=22
